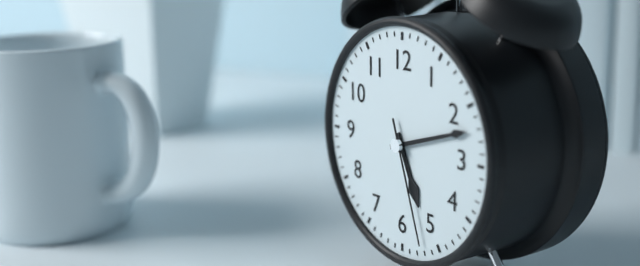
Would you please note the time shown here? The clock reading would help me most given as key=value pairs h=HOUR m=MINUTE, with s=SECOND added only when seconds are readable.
h=5 m=12 s=27
